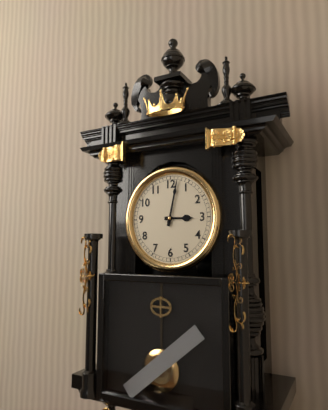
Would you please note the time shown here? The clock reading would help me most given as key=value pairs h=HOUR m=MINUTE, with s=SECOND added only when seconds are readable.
h=3 m=2
